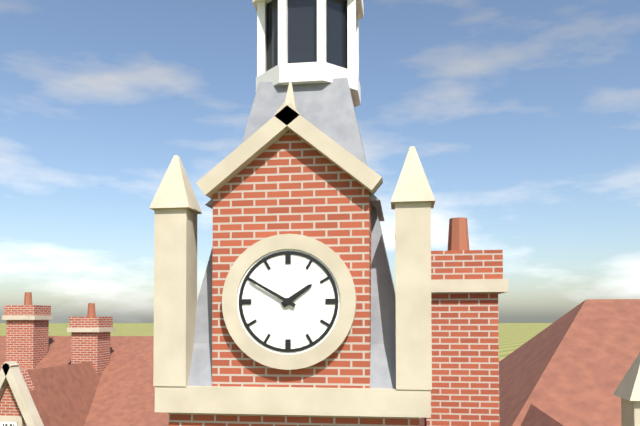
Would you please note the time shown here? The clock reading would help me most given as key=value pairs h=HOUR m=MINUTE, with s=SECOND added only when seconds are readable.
h=1 m=50
